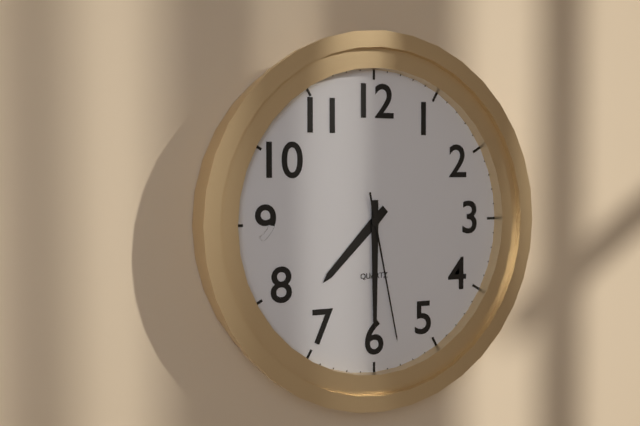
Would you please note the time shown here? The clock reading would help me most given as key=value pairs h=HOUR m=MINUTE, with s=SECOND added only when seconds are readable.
h=7 m=30 s=28
